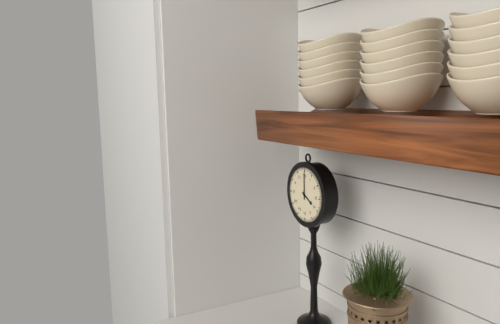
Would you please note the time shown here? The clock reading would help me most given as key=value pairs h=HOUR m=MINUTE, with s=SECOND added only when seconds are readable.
h=4 m=0
